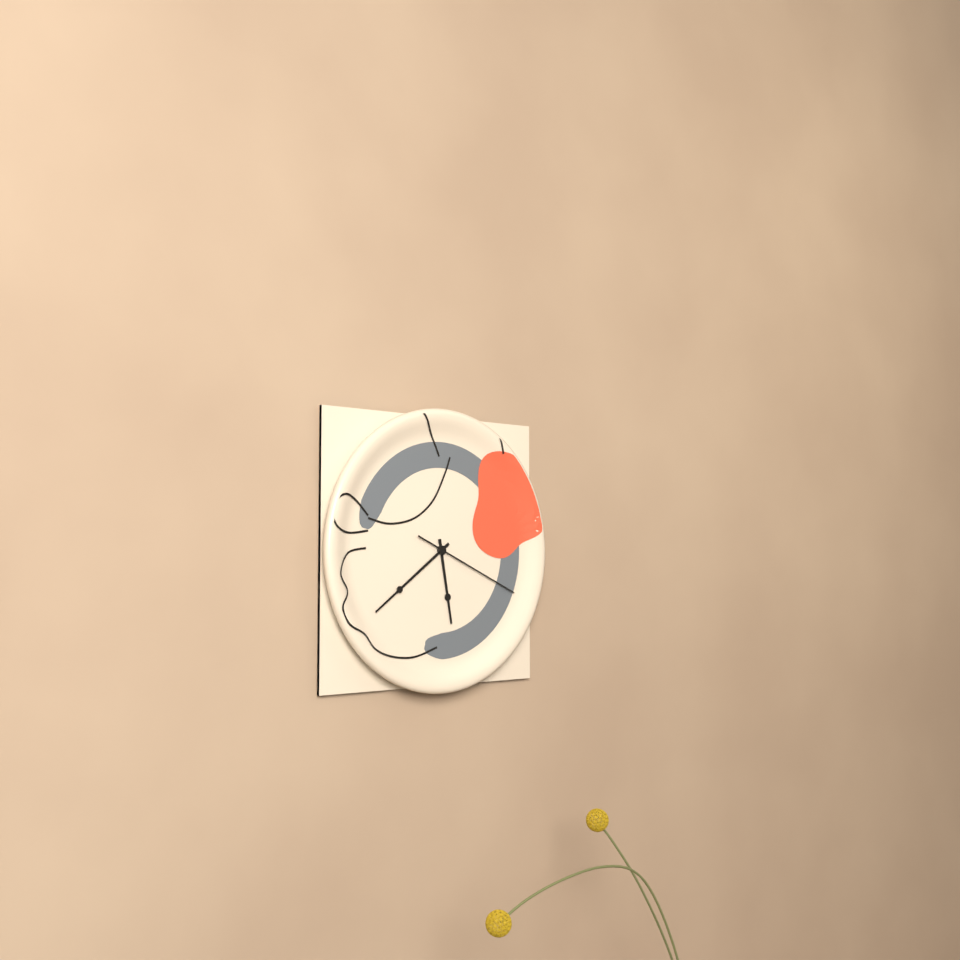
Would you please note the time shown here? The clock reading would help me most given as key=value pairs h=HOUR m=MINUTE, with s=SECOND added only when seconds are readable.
h=5 m=39 s=19
